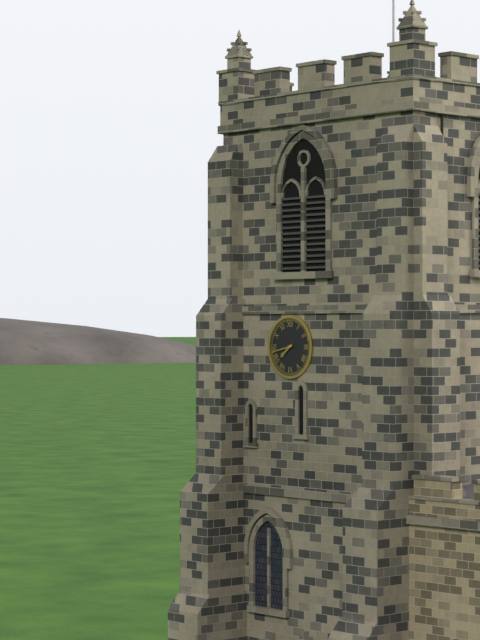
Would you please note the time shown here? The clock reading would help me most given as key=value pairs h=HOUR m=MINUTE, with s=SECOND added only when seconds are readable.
h=7 m=43
